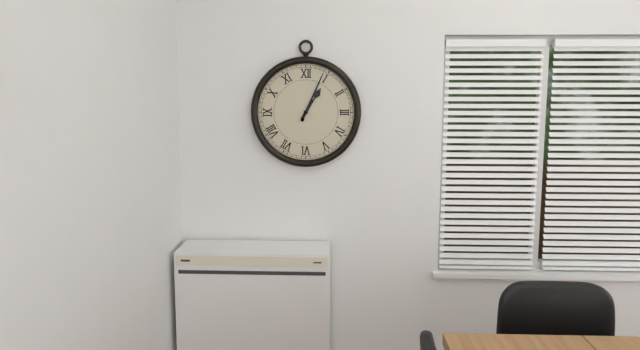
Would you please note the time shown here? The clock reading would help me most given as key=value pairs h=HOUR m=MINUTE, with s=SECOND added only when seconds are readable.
h=1 m=4
